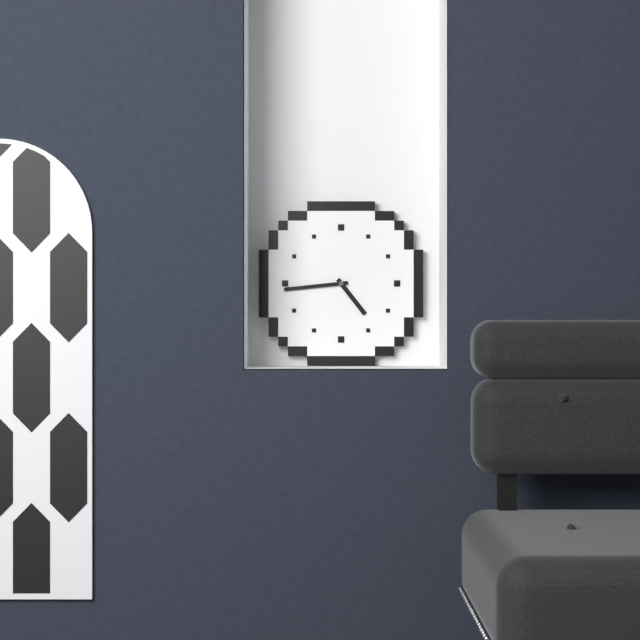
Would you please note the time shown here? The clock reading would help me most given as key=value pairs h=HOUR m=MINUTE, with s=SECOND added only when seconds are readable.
h=4 m=44
